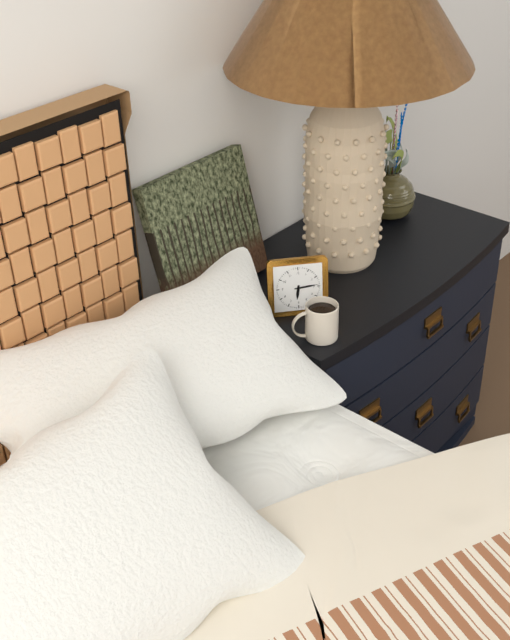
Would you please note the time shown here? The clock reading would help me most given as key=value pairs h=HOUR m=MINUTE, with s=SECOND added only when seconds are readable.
h=6 m=14
